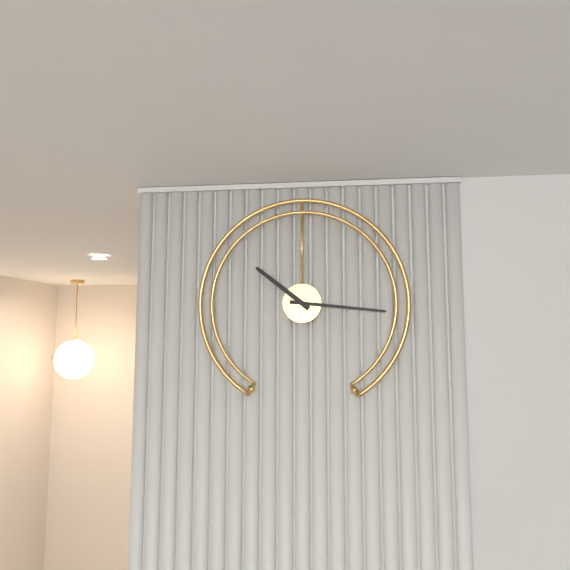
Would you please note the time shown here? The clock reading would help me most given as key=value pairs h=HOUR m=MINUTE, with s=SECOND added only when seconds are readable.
h=10 m=16
